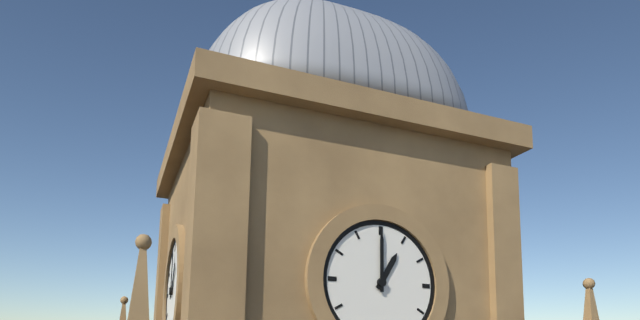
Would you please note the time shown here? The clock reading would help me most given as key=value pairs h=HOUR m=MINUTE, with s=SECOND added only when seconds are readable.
h=1 m=0
